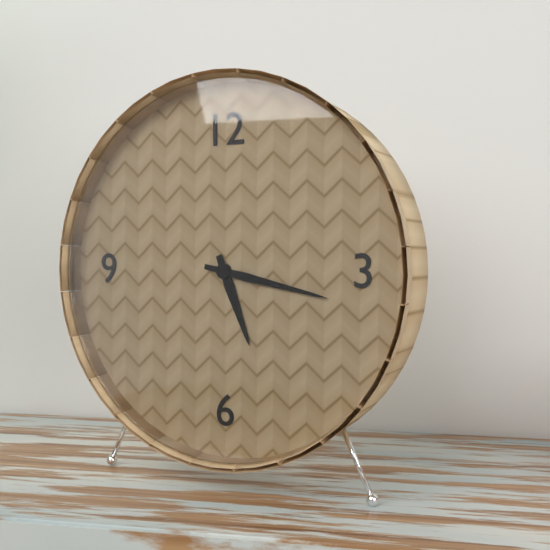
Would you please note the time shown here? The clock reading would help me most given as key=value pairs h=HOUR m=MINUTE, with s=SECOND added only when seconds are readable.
h=5 m=17
